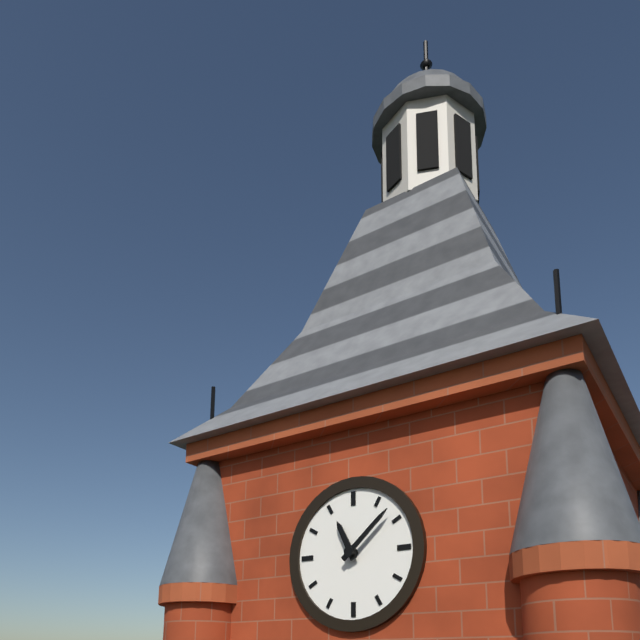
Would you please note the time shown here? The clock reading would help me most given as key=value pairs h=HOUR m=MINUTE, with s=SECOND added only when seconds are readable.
h=11 m=8
